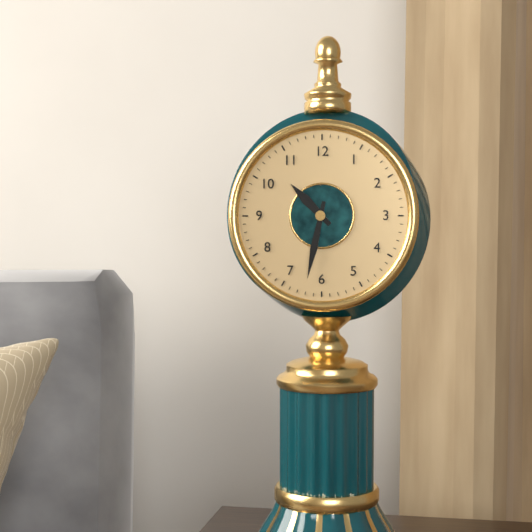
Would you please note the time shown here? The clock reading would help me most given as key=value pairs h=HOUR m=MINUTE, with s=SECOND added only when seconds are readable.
h=10 m=32
